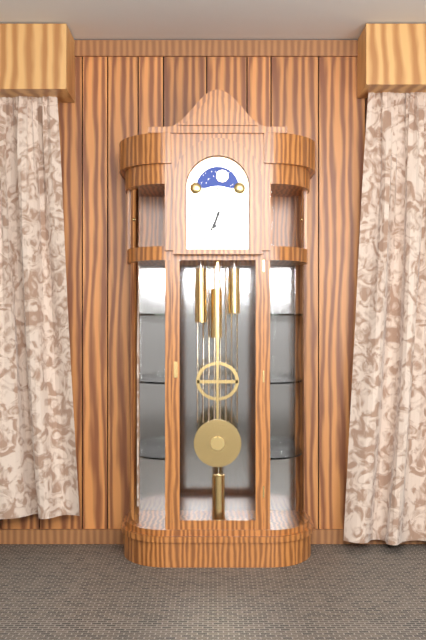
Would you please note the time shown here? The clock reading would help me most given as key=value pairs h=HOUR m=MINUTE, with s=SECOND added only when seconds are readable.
h=6 m=34
